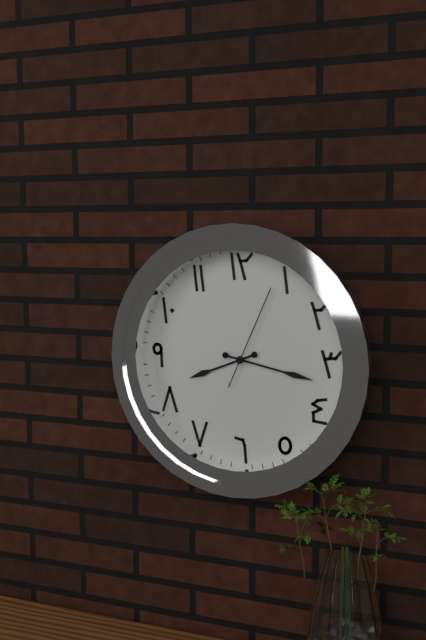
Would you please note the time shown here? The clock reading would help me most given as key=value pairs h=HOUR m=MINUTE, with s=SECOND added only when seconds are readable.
h=8 m=17 s=4
